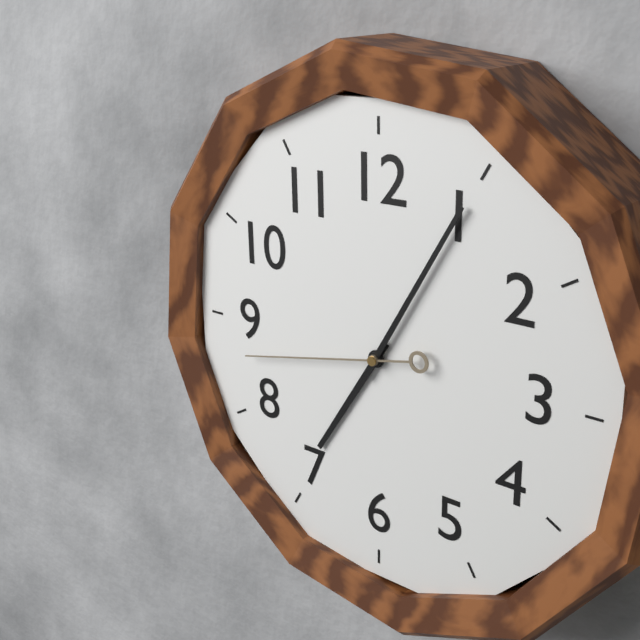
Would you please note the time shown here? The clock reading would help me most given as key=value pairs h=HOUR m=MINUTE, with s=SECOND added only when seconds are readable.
h=7 m=5 s=43
